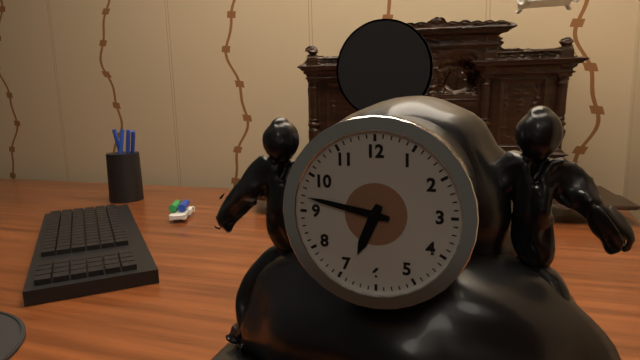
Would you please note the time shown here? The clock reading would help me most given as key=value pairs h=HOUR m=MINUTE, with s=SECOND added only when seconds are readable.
h=6 m=47
